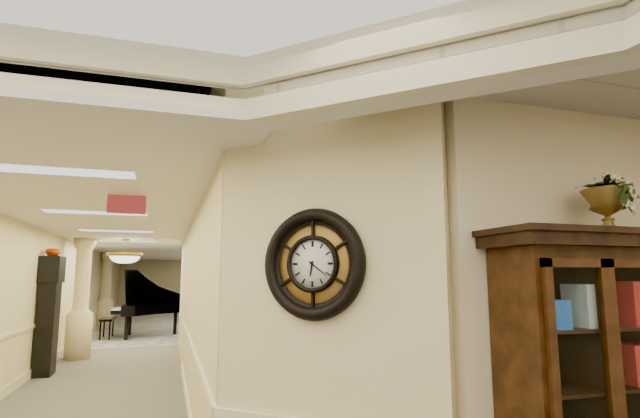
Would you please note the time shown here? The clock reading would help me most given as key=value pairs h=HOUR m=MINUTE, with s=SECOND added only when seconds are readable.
h=6 m=21
